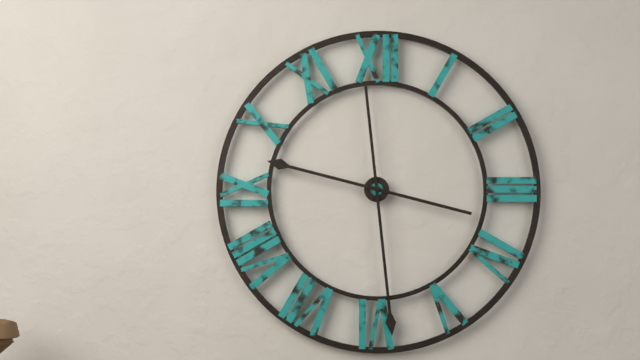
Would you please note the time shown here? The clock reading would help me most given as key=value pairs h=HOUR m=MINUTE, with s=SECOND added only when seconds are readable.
h=9 m=29
